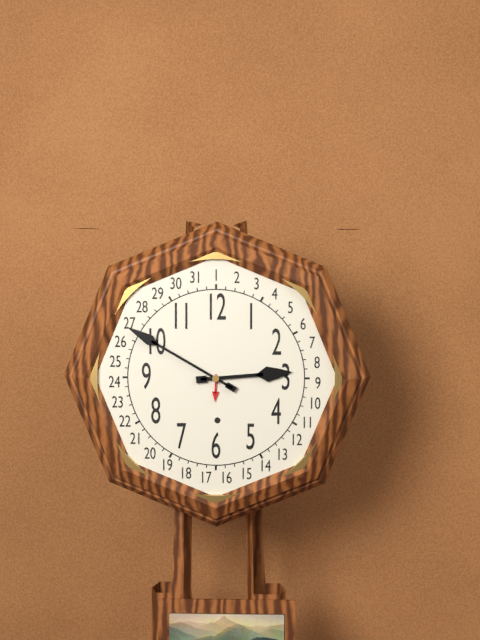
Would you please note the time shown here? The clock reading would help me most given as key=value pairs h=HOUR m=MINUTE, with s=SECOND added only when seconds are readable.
h=2 m=50
